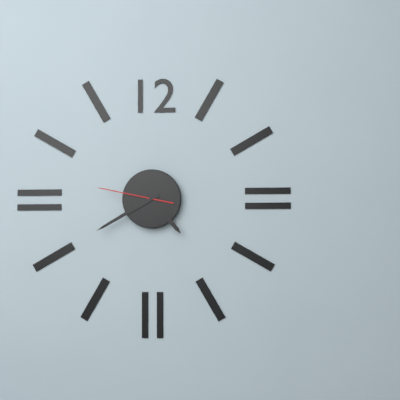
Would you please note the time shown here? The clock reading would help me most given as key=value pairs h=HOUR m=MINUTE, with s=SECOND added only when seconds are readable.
h=4 m=40 s=47
